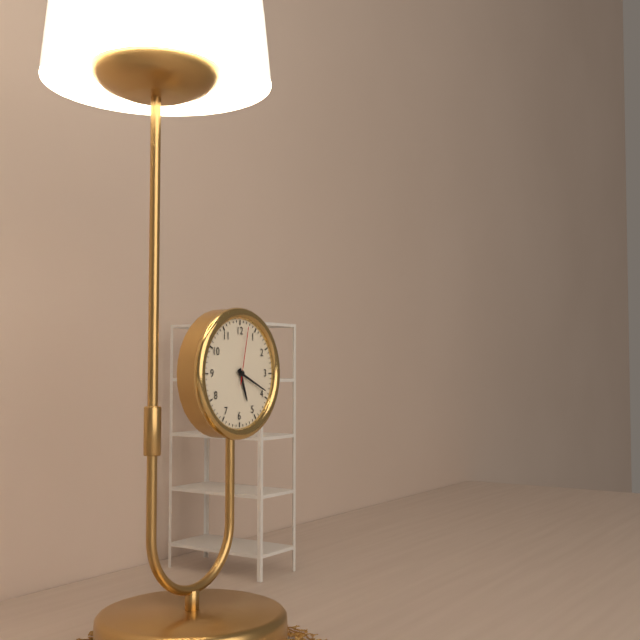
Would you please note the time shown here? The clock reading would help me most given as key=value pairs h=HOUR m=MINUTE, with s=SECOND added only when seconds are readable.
h=5 m=19 s=2
